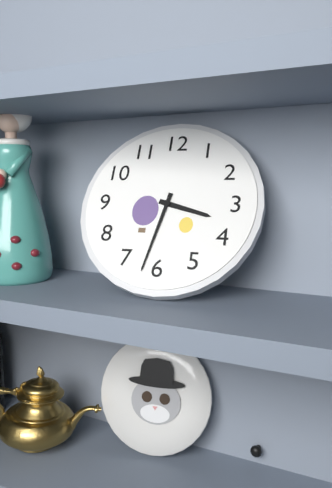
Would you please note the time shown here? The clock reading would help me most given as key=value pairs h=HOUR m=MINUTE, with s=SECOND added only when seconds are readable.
h=3 m=32
